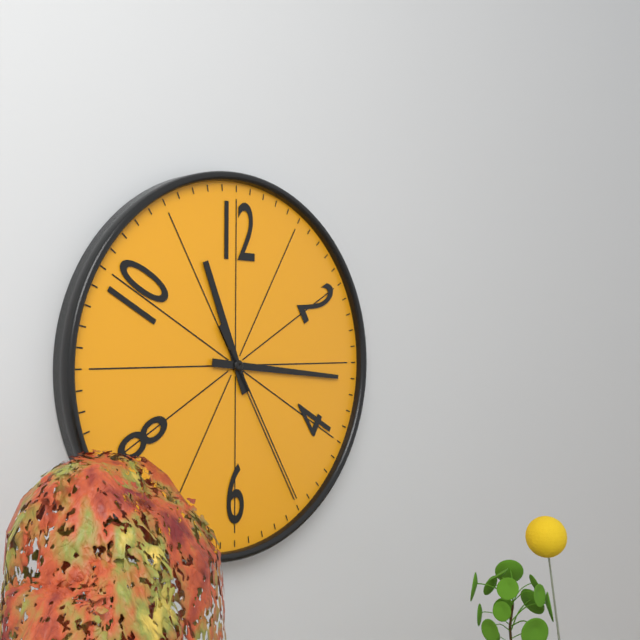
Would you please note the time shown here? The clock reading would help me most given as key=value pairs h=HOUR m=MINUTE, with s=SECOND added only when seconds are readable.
h=11 m=16 s=25
